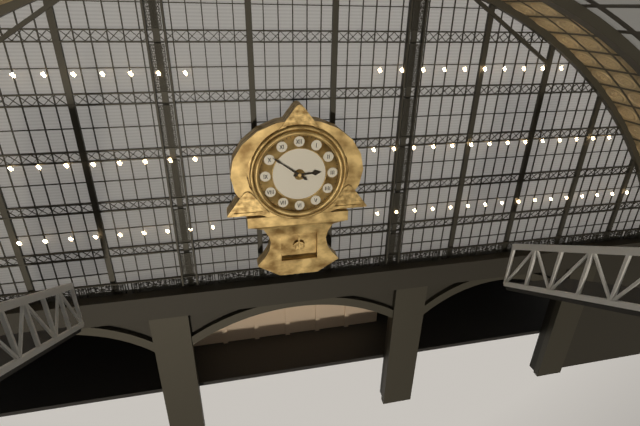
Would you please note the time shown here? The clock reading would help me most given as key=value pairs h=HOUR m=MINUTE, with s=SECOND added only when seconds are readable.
h=2 m=51
